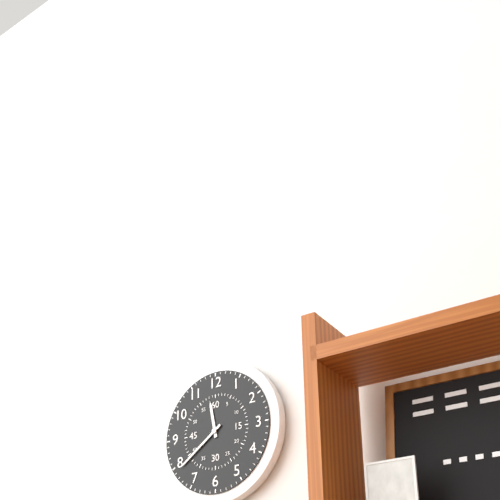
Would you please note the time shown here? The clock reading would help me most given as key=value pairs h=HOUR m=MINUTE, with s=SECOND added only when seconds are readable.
h=11 m=39
